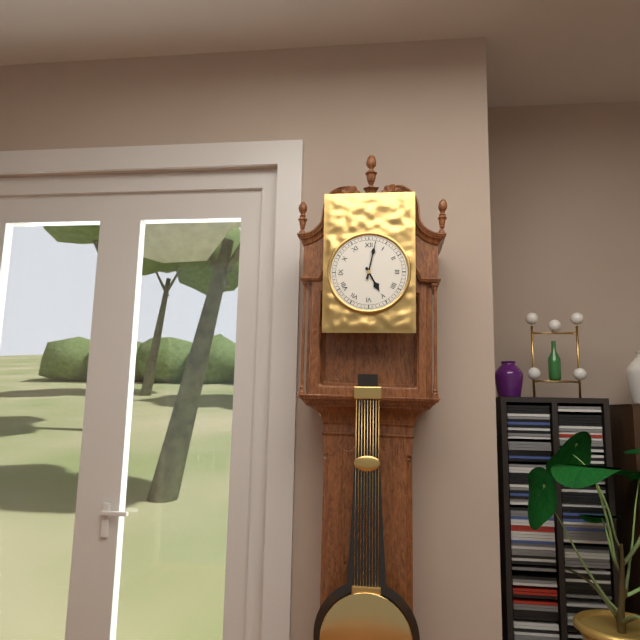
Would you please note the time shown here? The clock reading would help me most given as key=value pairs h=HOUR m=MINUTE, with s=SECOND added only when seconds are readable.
h=5 m=2
